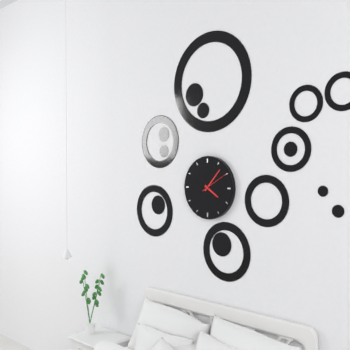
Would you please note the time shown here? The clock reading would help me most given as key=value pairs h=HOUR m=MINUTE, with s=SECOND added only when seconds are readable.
h=4 m=7
